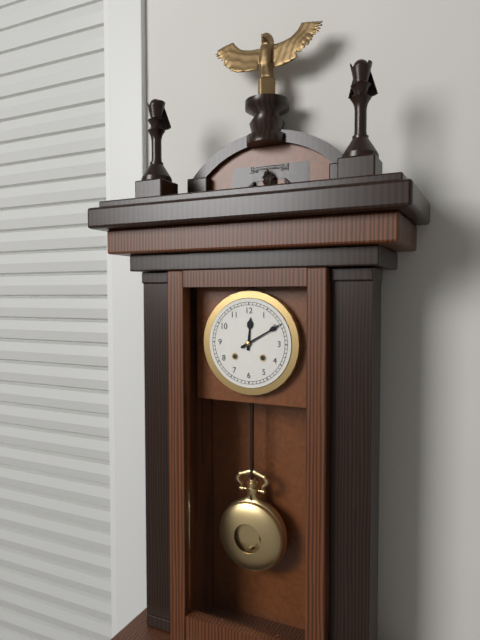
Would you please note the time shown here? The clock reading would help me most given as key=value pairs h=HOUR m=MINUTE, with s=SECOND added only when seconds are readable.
h=12 m=10
